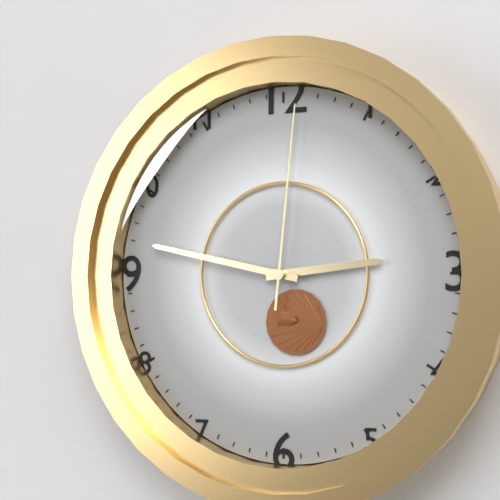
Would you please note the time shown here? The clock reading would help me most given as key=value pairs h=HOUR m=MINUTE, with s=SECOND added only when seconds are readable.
h=2 m=47 s=1
